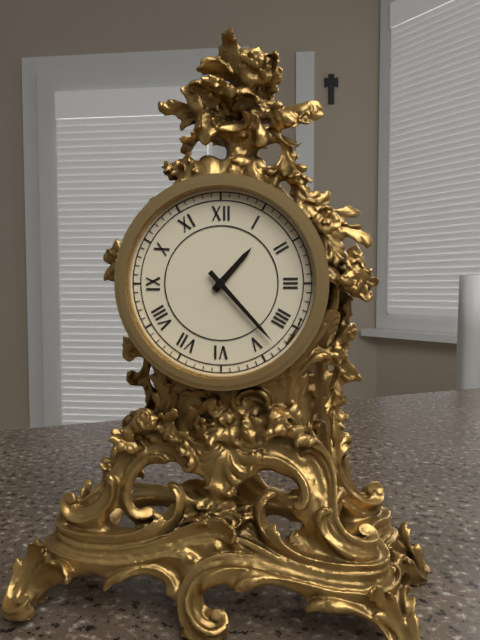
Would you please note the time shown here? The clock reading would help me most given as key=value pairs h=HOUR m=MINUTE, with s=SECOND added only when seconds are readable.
h=1 m=23
